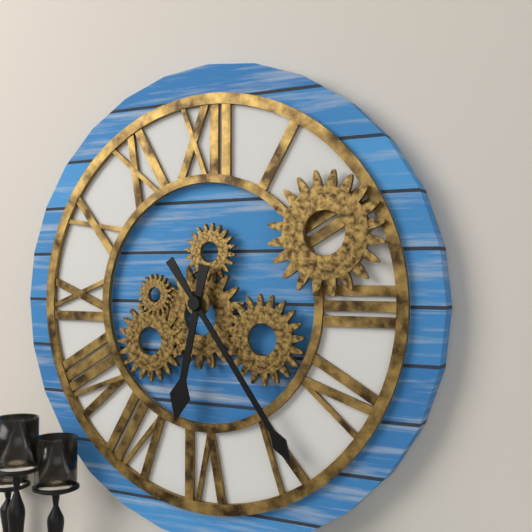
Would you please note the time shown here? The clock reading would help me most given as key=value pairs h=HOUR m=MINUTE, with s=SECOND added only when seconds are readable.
h=6 m=24
